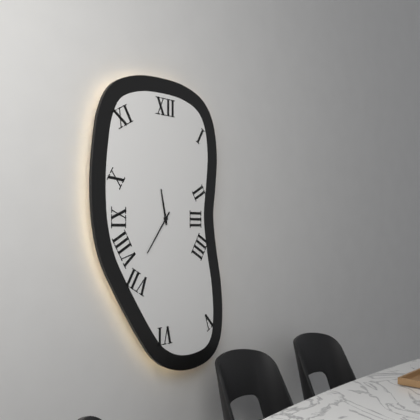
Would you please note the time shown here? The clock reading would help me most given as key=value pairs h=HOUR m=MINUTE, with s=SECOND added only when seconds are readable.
h=11 m=36
